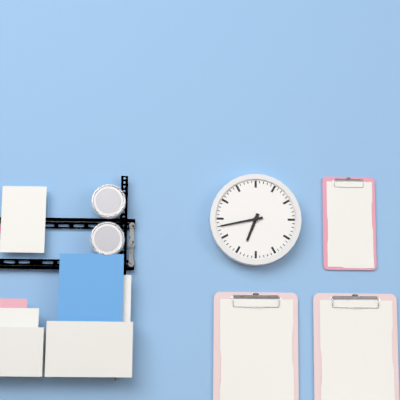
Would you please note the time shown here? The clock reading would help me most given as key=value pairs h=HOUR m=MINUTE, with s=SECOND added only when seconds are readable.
h=6 m=43
